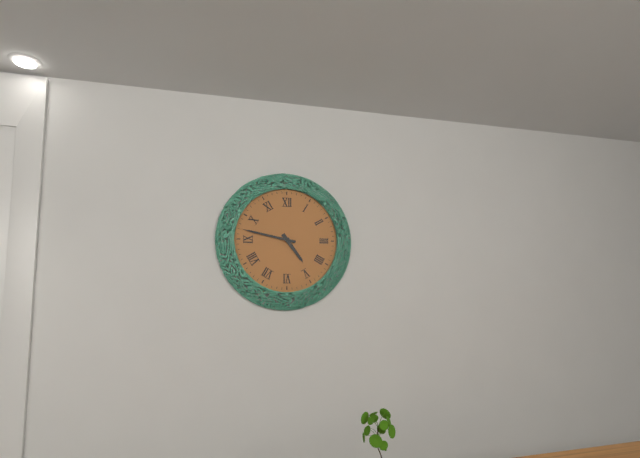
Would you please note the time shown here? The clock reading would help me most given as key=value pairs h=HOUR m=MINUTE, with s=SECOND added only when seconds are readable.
h=4 m=47
